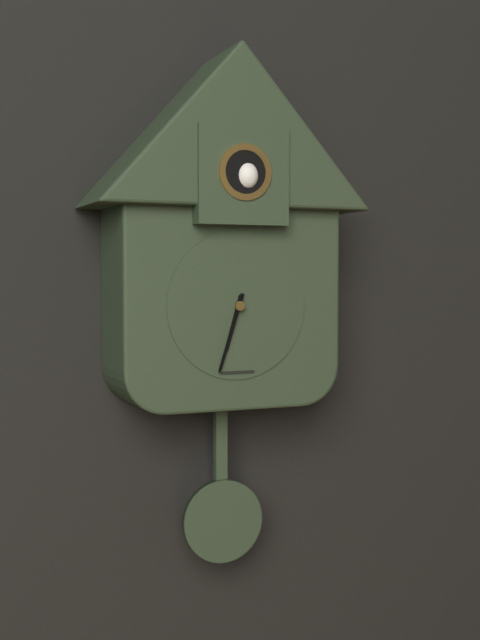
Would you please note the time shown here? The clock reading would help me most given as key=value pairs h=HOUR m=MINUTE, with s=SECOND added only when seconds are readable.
h=6 m=33
